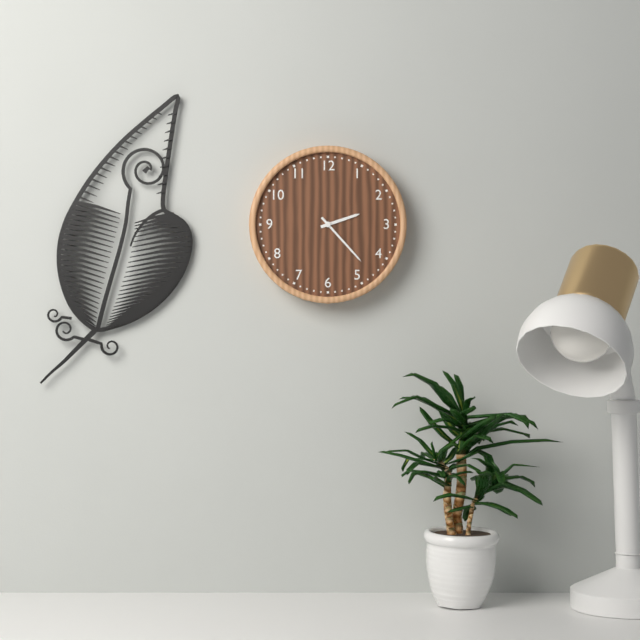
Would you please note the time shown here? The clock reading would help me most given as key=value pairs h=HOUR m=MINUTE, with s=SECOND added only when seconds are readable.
h=2 m=23
